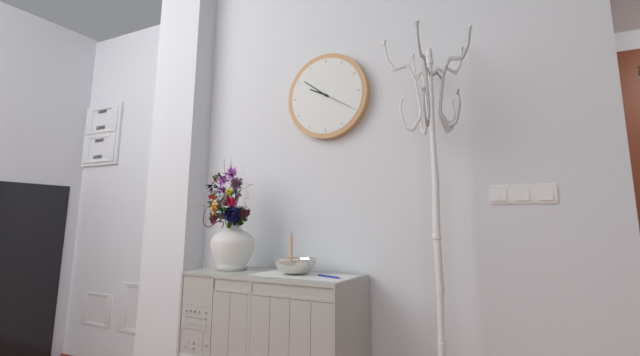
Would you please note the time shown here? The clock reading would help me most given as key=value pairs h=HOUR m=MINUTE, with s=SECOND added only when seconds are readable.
h=9 m=51
